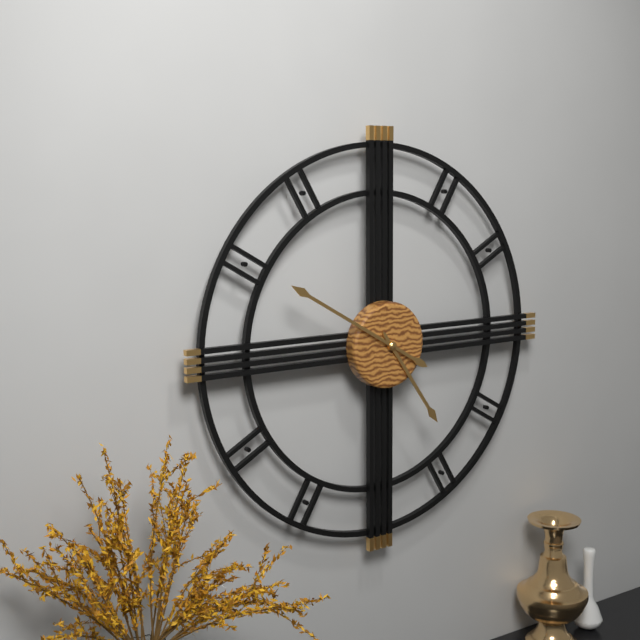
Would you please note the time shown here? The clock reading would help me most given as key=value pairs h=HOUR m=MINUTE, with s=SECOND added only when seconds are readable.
h=4 m=50
